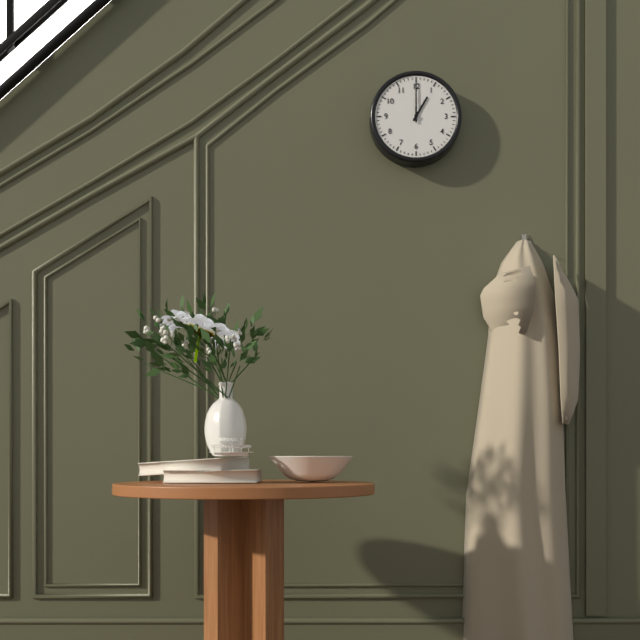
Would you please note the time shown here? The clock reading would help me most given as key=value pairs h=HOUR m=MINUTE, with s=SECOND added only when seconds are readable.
h=1 m=0
